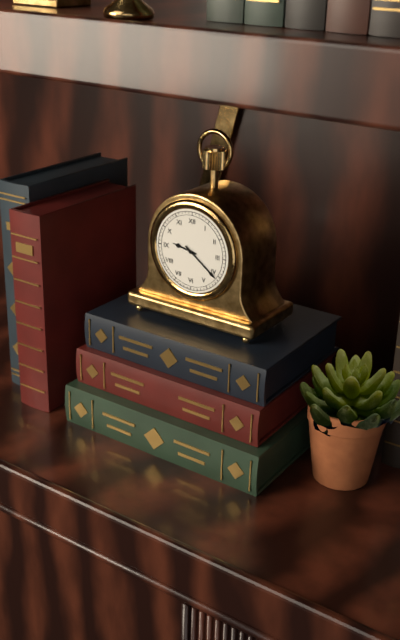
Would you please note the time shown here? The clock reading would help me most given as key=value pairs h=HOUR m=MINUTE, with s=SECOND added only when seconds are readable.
h=9 m=21
